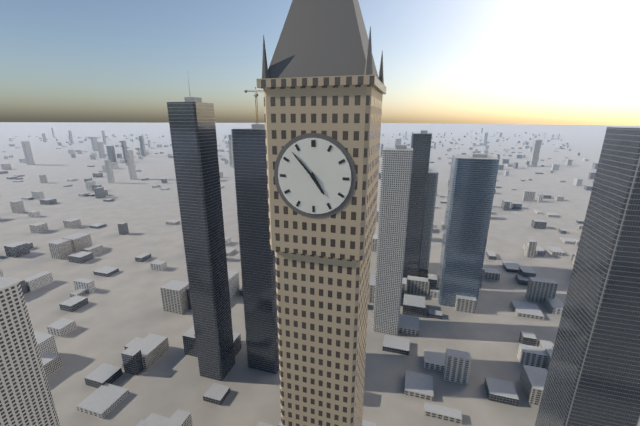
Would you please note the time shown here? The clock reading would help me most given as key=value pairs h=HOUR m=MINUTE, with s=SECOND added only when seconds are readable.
h=4 m=53
